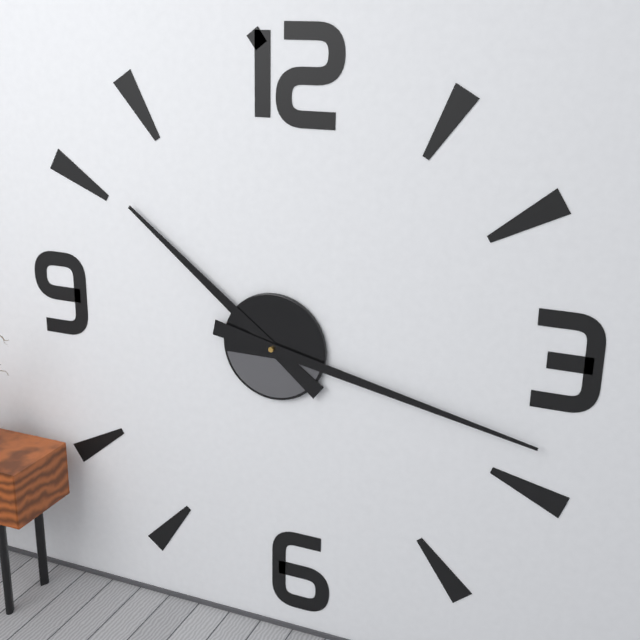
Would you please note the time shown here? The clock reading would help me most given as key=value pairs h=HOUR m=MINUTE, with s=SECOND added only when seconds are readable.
h=10 m=17
